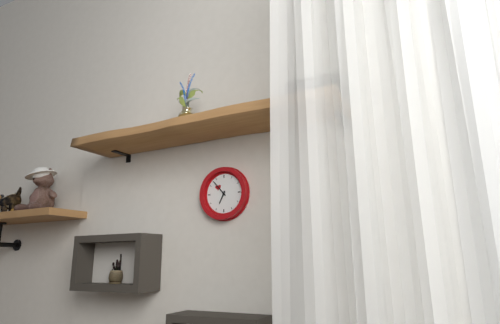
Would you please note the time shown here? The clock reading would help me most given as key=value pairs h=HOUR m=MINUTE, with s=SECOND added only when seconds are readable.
h=6 m=53
